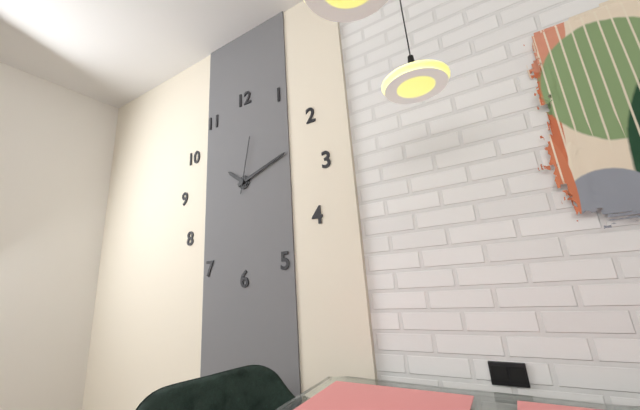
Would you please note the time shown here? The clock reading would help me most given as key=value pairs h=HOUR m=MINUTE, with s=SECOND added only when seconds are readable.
h=10 m=12 s=2
